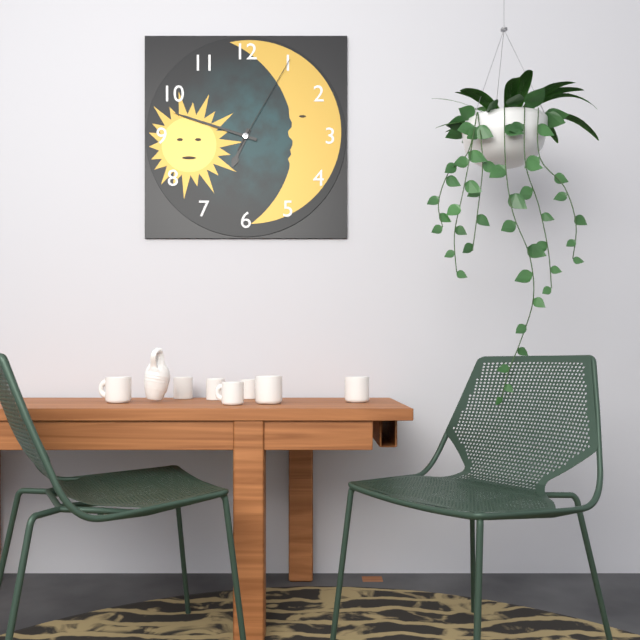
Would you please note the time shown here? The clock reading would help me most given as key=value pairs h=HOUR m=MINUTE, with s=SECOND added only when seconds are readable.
h=6 m=48 s=5
